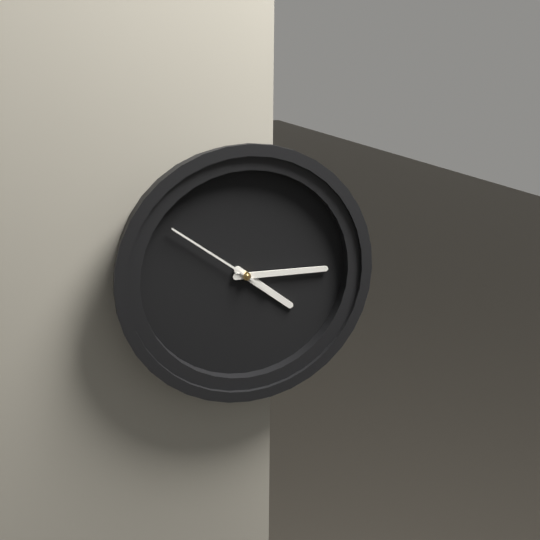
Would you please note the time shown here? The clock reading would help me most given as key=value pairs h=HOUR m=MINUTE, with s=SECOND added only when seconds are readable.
h=4 m=15 s=51
